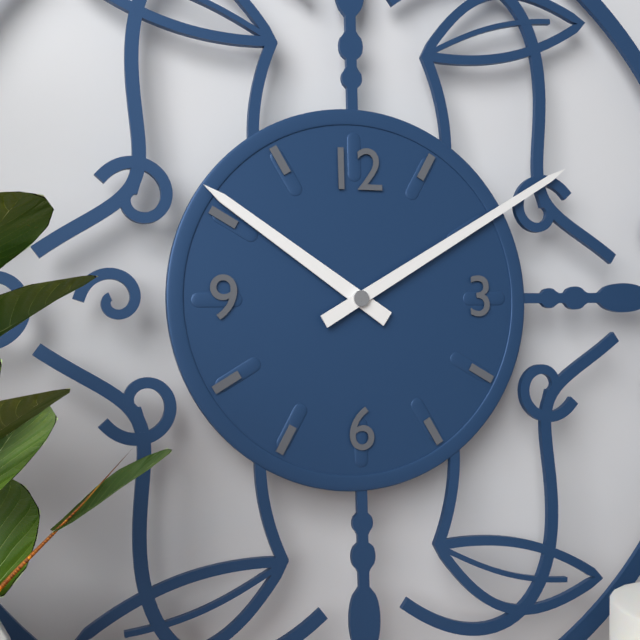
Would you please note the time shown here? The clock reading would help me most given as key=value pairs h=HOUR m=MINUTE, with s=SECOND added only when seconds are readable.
h=10 m=10
